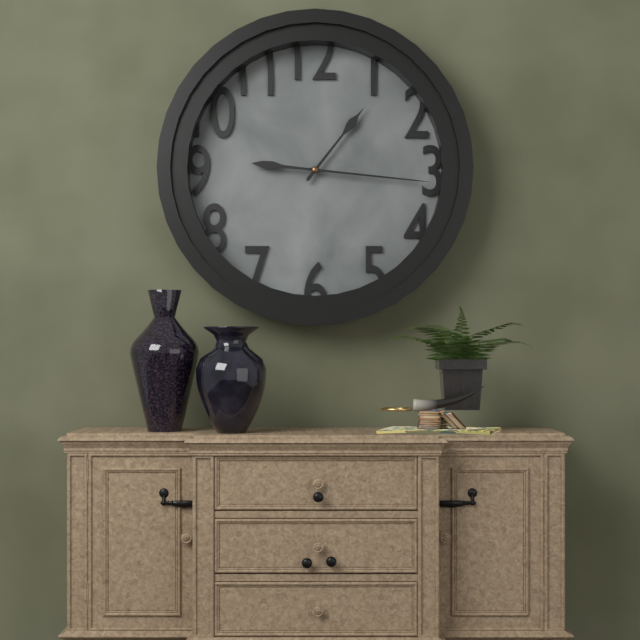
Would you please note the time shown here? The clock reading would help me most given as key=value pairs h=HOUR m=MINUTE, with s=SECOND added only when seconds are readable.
h=1 m=16
